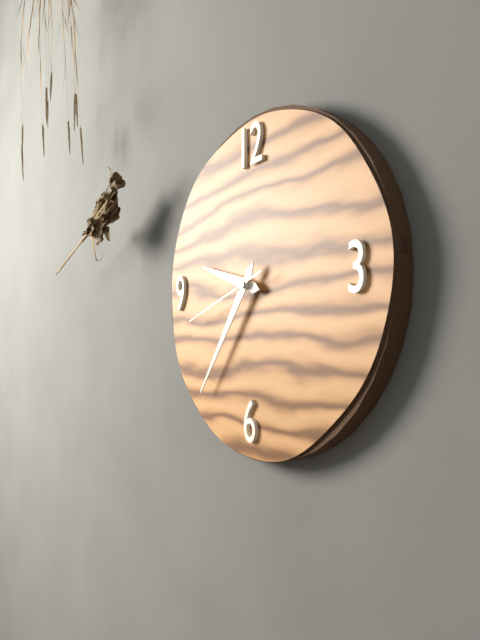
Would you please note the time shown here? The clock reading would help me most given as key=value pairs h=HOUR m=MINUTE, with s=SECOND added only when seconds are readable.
h=9 m=36 s=42
